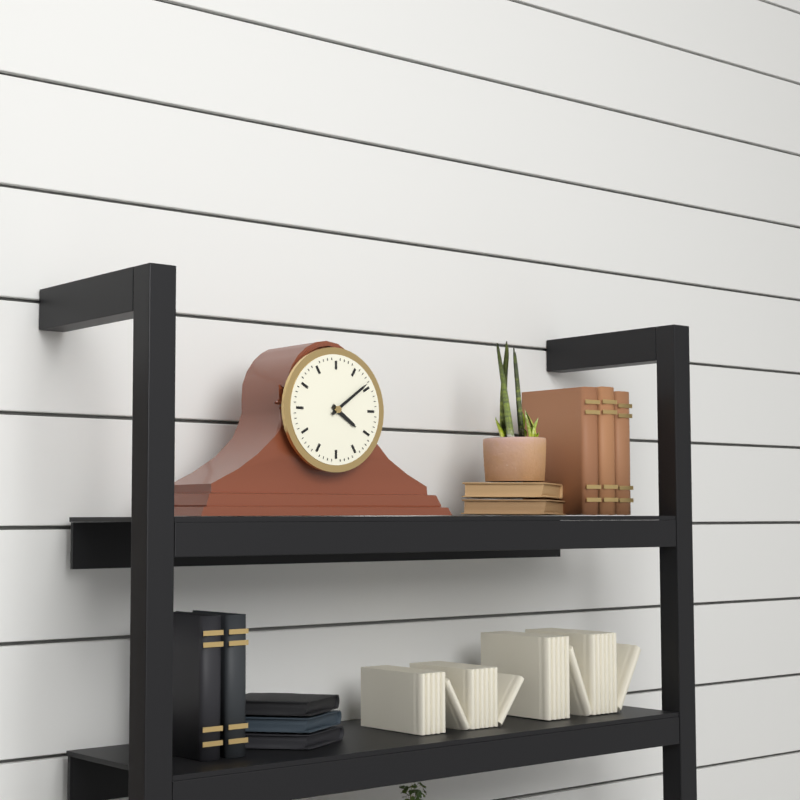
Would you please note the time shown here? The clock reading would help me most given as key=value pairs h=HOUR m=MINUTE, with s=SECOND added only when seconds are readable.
h=4 m=9
